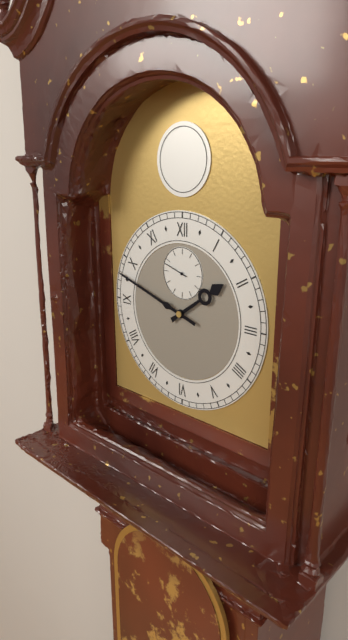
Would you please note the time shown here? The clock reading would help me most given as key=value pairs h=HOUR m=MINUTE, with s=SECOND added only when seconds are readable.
h=1 m=48
